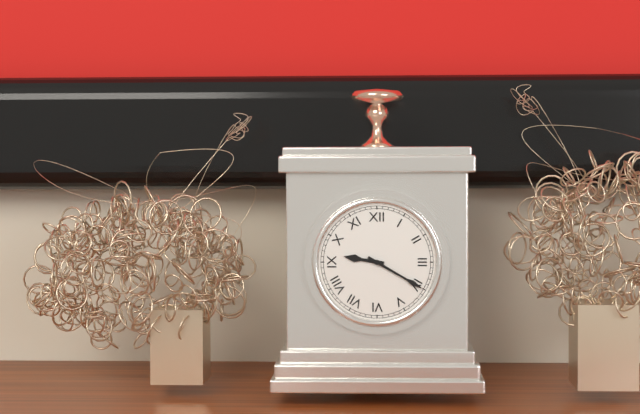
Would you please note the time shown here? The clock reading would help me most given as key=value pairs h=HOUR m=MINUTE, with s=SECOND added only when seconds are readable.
h=9 m=20
